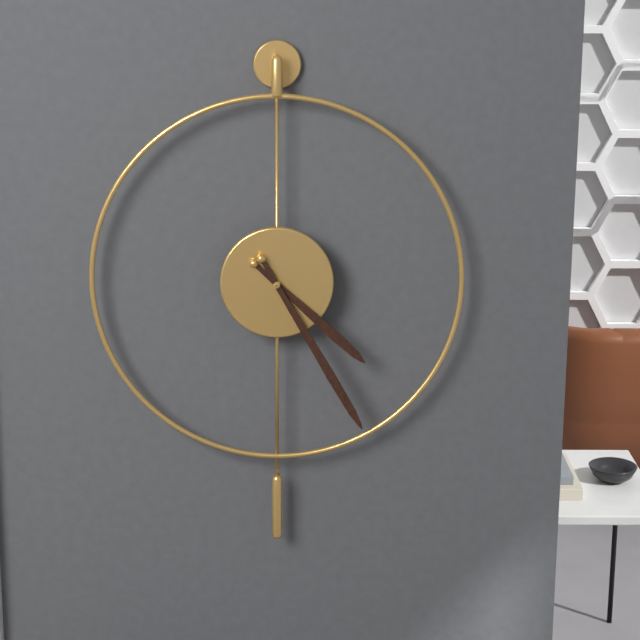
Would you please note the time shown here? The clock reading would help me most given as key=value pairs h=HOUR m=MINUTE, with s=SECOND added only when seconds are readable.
h=4 m=25
